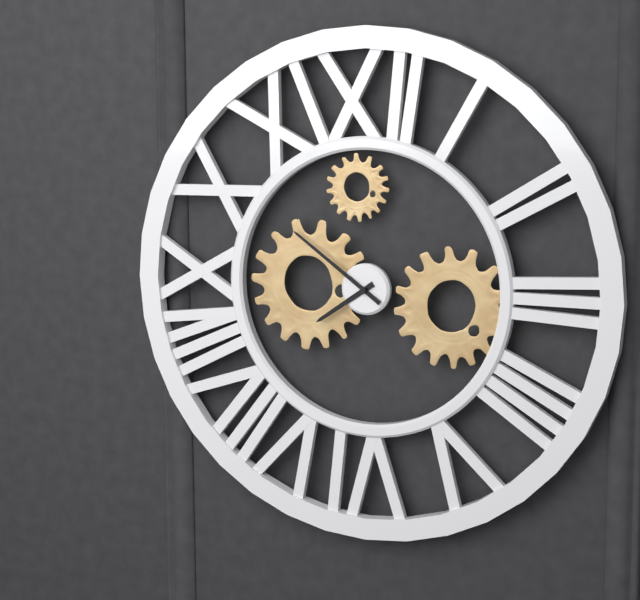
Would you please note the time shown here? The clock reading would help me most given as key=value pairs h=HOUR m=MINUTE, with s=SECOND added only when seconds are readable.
h=7 m=51
